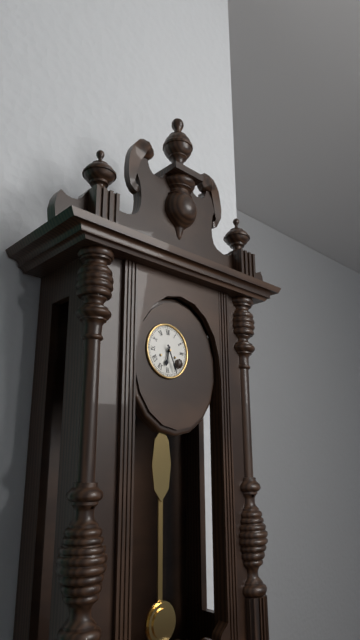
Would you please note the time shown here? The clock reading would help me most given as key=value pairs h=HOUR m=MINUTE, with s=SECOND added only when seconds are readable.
h=6 m=26
